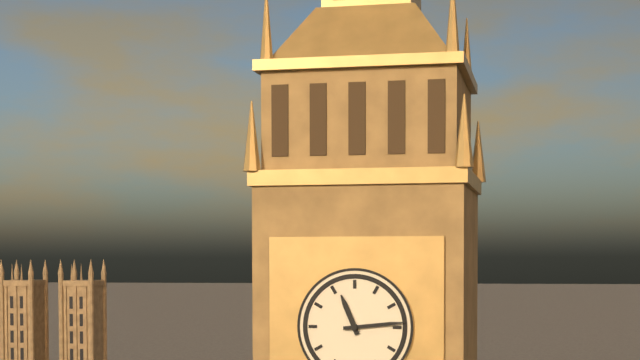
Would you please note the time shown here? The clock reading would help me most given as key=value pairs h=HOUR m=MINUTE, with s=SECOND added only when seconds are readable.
h=11 m=14
